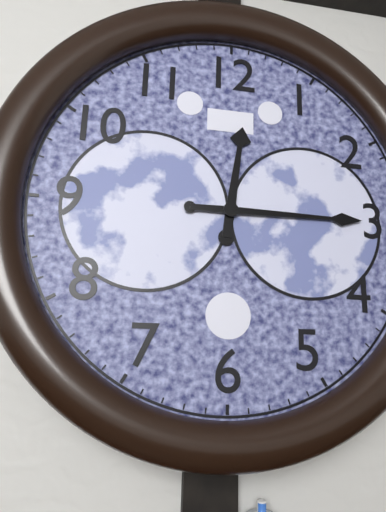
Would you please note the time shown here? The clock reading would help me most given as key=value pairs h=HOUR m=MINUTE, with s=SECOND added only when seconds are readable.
h=12 m=15
